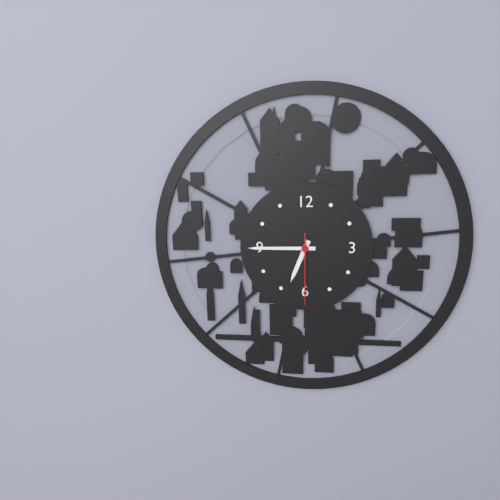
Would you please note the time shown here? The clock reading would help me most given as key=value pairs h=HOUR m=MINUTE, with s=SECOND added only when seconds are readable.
h=6 m=45 s=30
